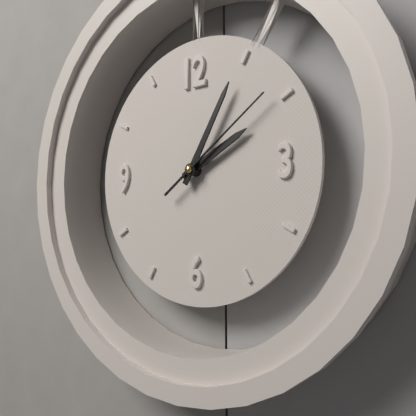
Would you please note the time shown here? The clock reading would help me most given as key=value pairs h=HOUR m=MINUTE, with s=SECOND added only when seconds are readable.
h=2 m=5 s=9
